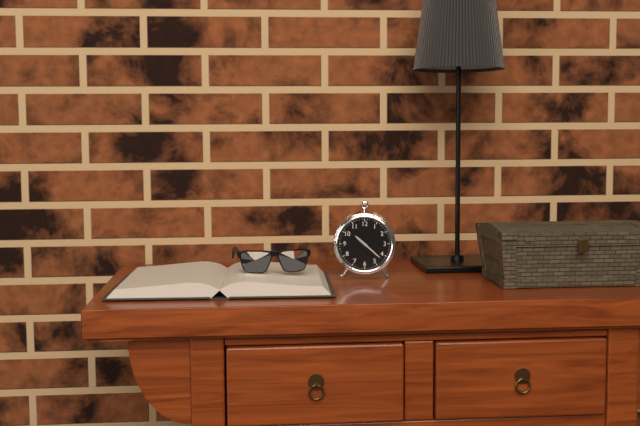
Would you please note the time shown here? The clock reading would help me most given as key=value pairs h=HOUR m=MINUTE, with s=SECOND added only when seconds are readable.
h=10 m=22
